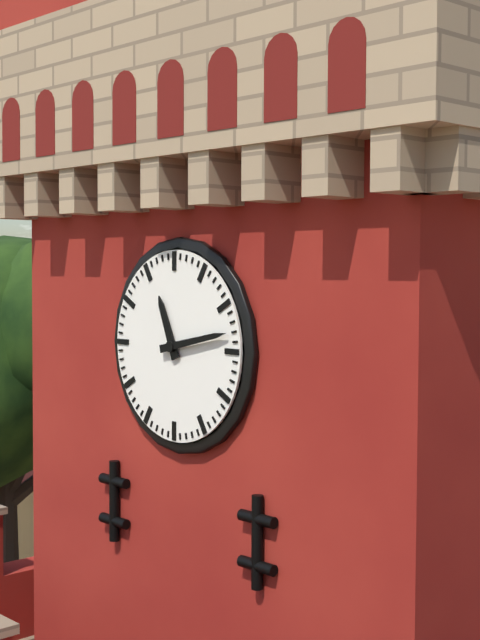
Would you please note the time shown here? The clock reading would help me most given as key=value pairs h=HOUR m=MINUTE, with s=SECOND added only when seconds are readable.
h=11 m=13
